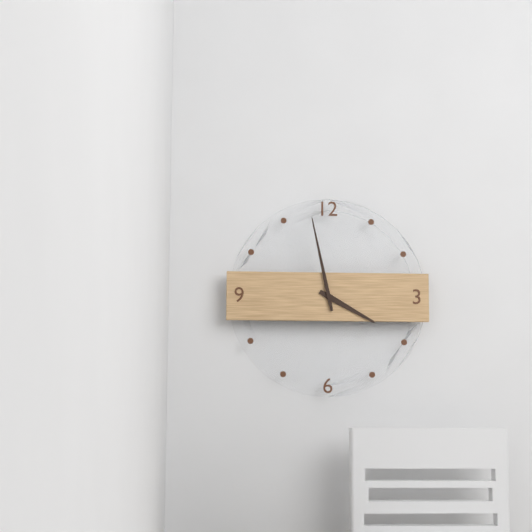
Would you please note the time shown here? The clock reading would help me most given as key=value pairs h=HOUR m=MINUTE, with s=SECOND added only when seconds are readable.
h=3 m=58
